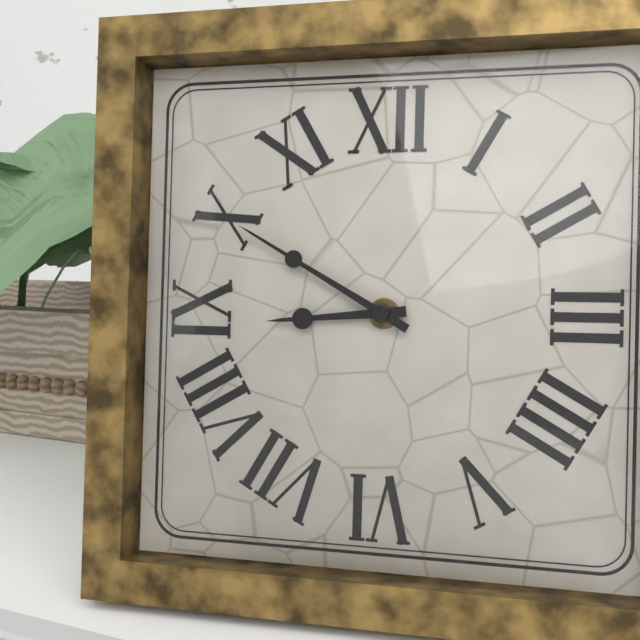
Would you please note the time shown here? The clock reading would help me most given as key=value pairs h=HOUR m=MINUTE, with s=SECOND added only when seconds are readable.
h=8 m=50
